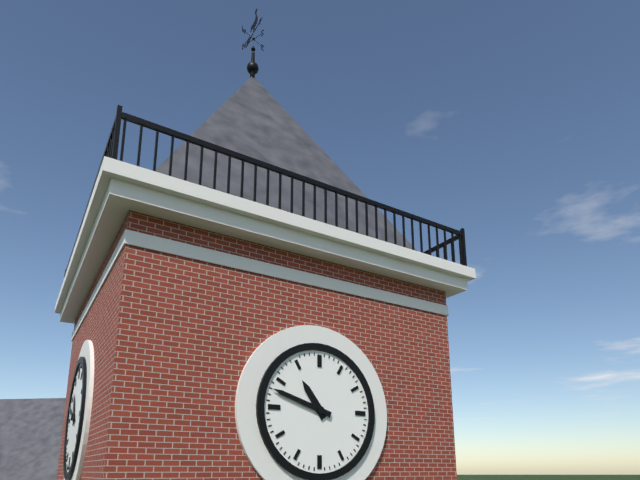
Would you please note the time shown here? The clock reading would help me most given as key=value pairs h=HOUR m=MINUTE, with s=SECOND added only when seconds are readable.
h=10 m=48
